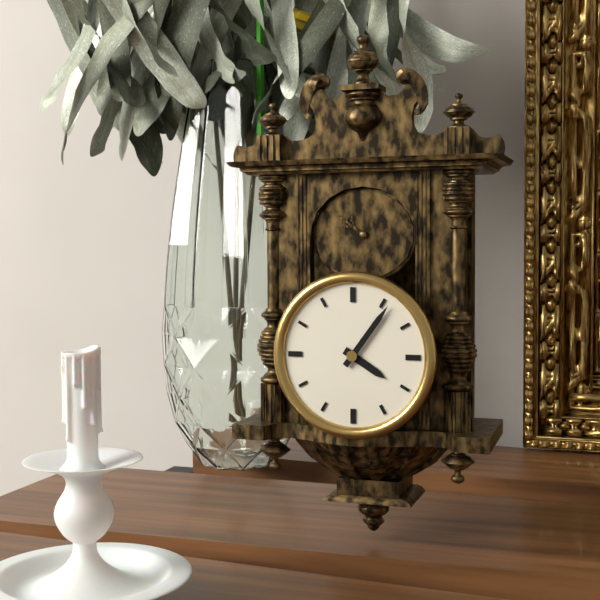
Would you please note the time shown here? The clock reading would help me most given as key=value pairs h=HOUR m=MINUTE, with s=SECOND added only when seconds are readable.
h=4 m=6
